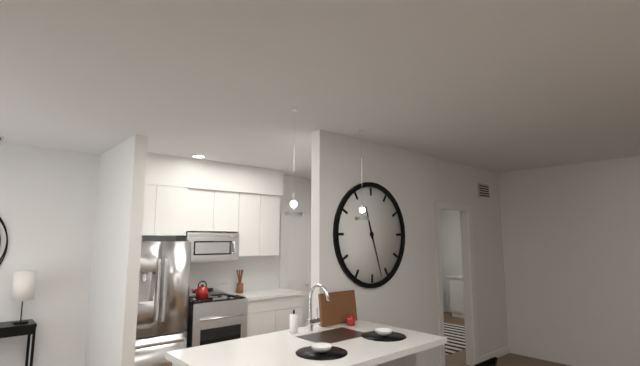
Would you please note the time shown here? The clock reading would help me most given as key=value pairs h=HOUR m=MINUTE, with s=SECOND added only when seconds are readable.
h=11 m=27
